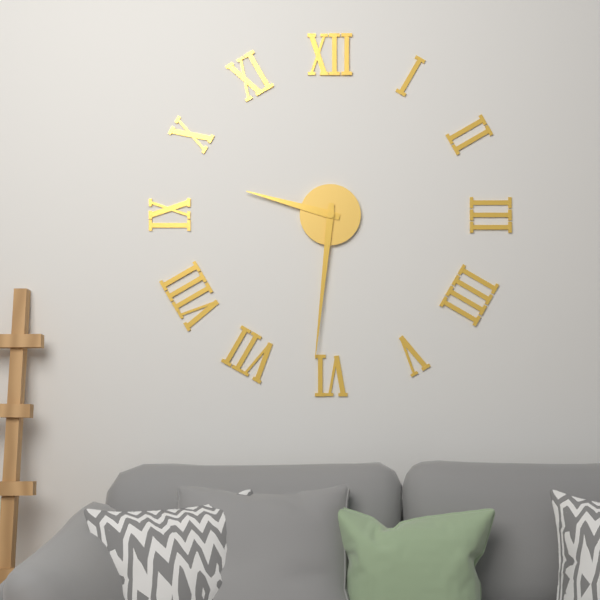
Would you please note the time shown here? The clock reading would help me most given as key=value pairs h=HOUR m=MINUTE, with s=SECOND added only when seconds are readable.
h=9 m=31
